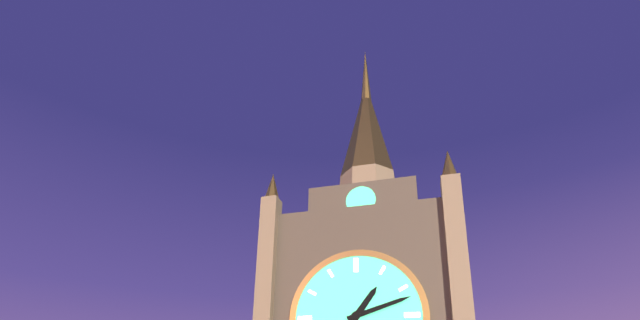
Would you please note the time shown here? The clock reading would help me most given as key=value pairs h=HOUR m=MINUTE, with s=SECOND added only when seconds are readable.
h=1 m=12
